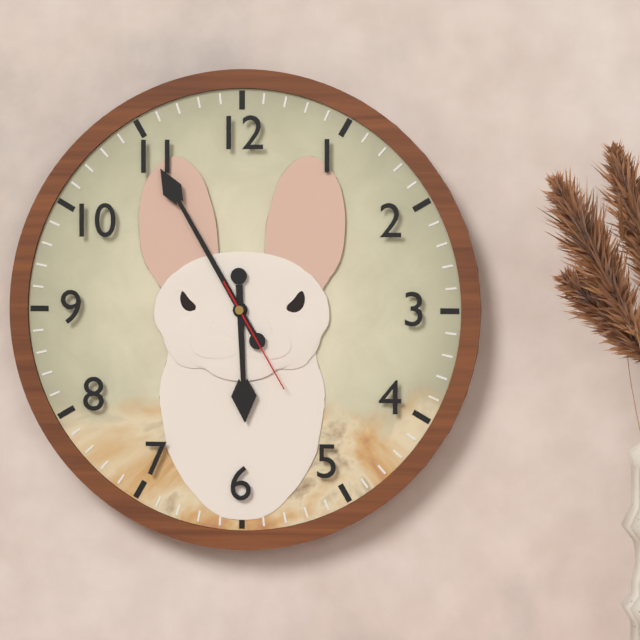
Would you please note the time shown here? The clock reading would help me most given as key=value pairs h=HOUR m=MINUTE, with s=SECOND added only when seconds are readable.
h=5 m=55 s=25
